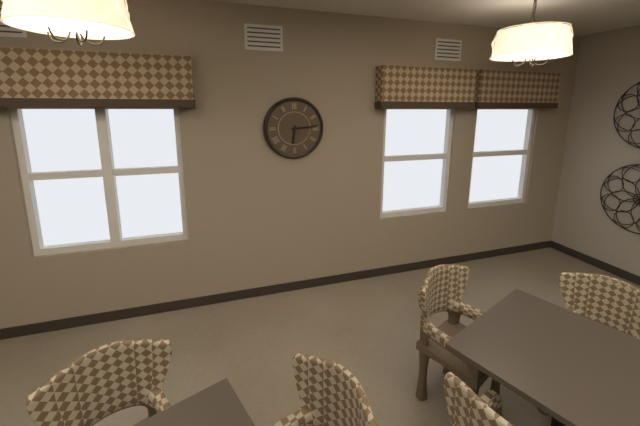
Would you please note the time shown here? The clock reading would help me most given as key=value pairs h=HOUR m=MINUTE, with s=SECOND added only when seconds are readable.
h=6 m=14
